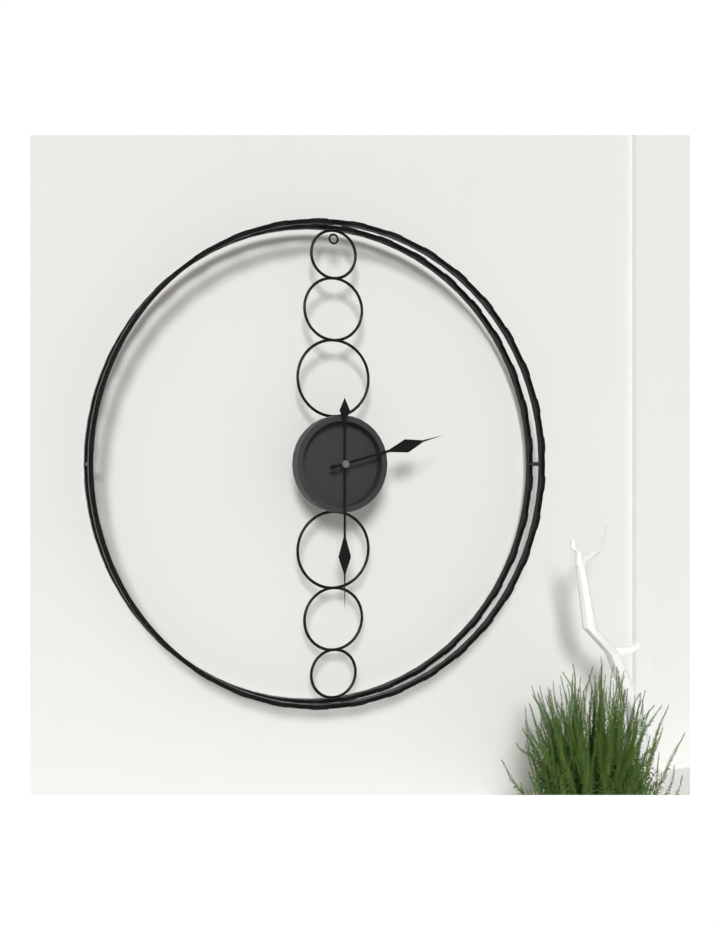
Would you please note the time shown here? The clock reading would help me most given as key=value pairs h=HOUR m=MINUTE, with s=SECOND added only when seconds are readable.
h=2 m=30
